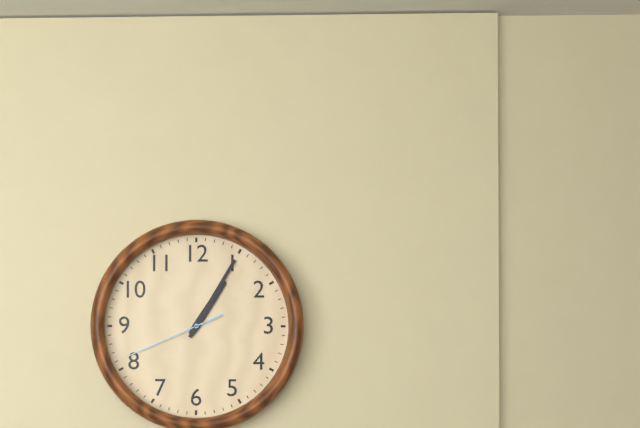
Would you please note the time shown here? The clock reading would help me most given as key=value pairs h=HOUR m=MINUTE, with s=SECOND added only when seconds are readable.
h=1 m=5 s=41
